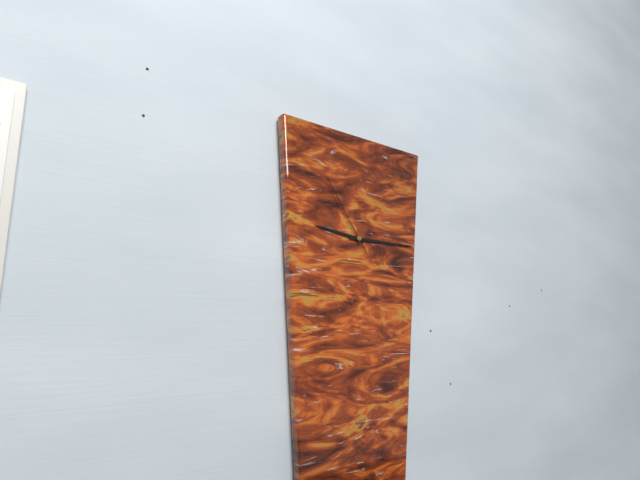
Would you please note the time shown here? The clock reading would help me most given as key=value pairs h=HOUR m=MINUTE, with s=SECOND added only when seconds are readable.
h=9 m=15 s=54
